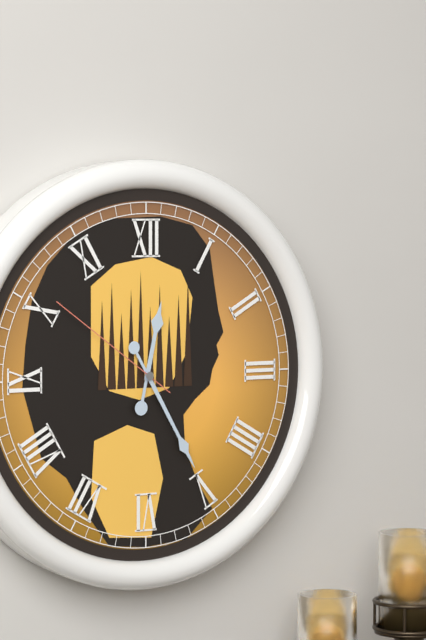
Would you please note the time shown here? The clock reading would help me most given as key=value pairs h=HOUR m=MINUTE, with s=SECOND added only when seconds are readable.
h=12 m=25 s=51
